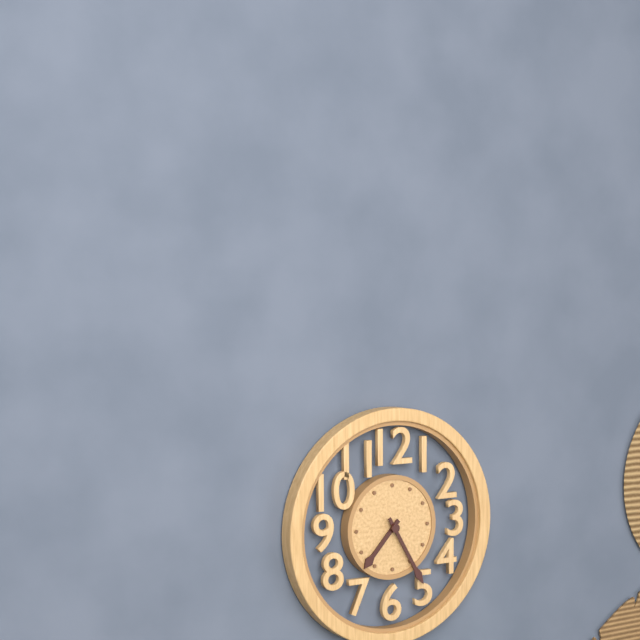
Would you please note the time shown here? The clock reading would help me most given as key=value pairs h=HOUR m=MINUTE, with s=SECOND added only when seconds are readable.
h=7 m=25
